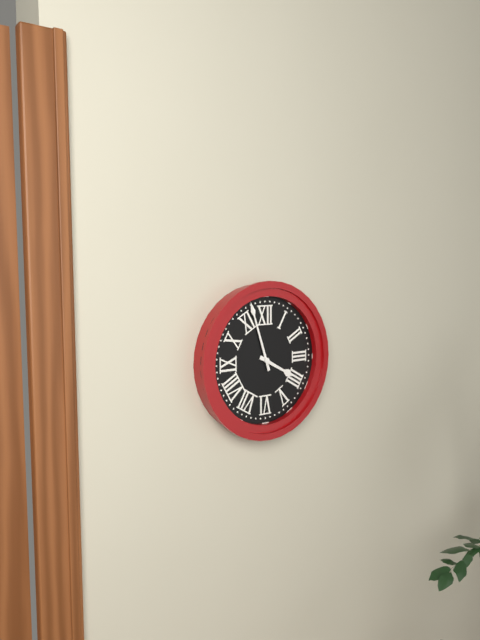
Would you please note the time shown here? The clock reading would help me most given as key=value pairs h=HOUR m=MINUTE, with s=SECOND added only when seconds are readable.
h=3 m=57
